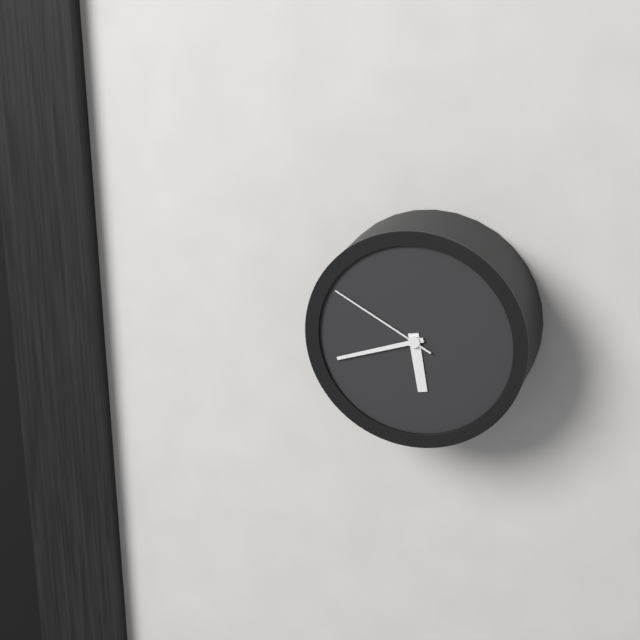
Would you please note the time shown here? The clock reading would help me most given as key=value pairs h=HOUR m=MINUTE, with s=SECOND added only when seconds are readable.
h=5 m=42 s=50
